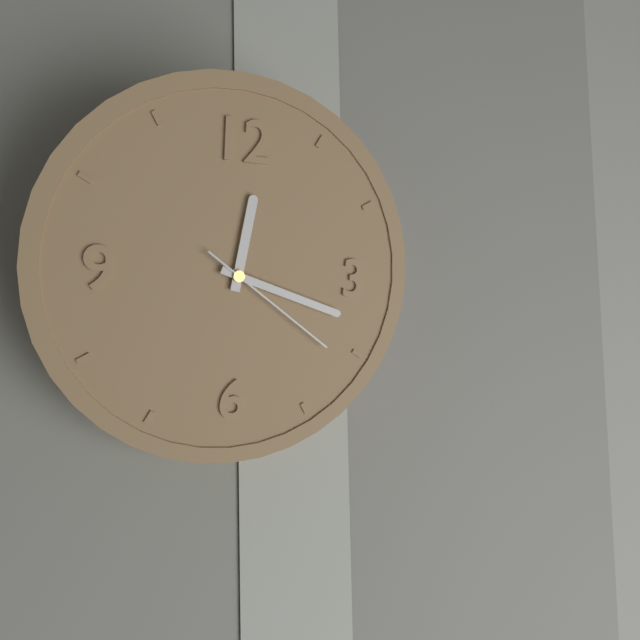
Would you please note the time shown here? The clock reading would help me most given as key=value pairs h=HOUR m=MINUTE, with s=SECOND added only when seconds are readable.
h=12 m=18 s=21
